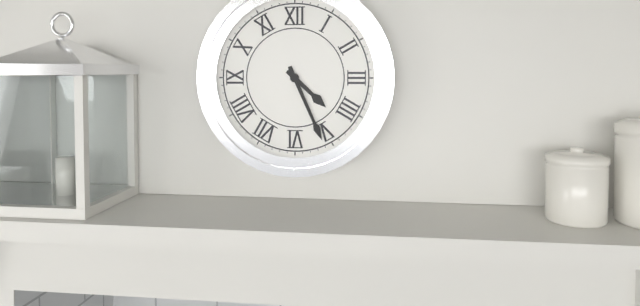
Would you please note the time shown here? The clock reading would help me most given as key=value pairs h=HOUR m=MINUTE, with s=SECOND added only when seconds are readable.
h=4 m=26
